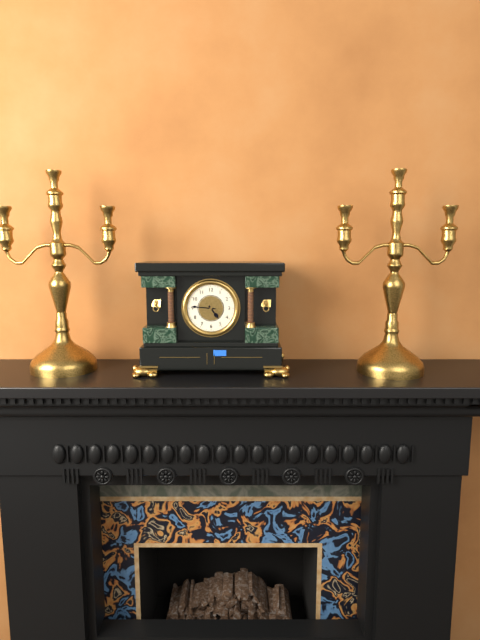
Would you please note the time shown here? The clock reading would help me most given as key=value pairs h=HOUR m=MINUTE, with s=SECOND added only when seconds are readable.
h=4 m=46
